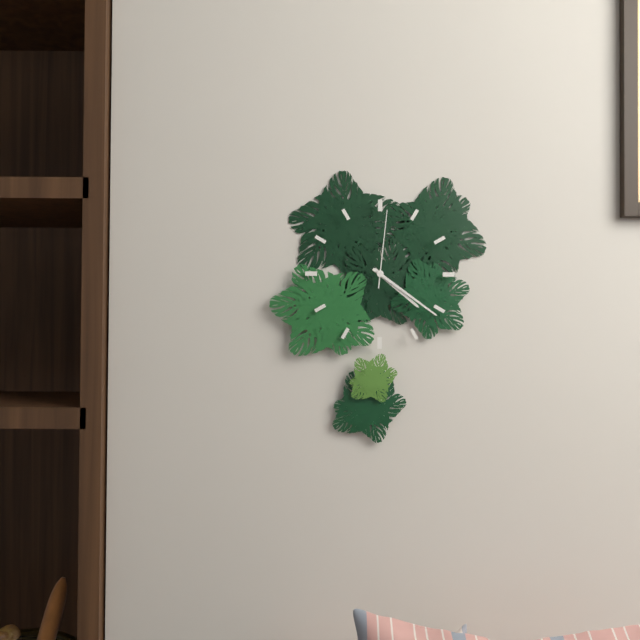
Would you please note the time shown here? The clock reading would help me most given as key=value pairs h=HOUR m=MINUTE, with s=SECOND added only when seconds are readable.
h=4 m=21 s=1
